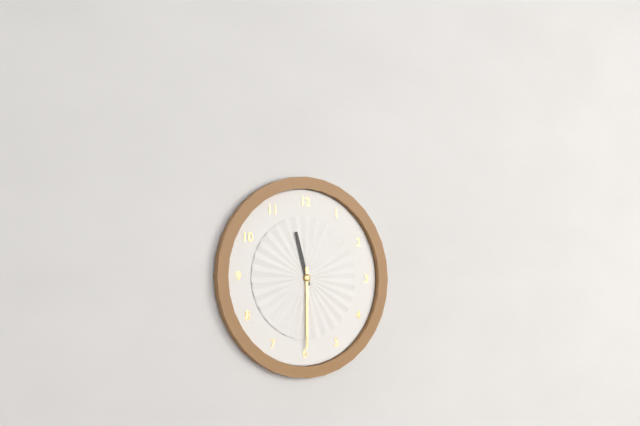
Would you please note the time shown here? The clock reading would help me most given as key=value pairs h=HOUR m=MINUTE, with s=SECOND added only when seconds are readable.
h=11 m=30
